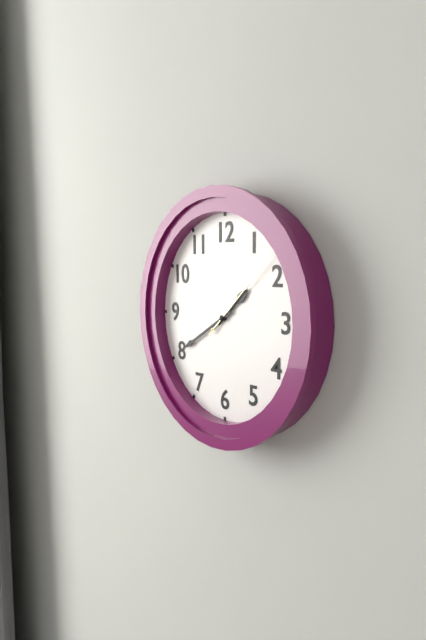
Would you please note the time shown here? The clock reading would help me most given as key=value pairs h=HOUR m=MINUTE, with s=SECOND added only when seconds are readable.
h=1 m=40 s=8
